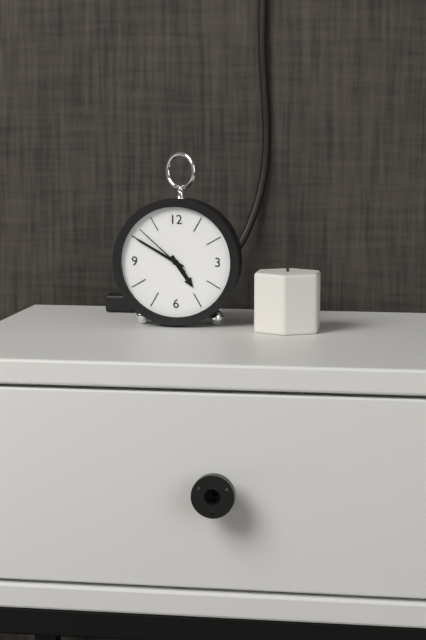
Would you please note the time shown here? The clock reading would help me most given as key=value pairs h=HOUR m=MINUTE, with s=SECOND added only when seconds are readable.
h=4 m=50 s=52
